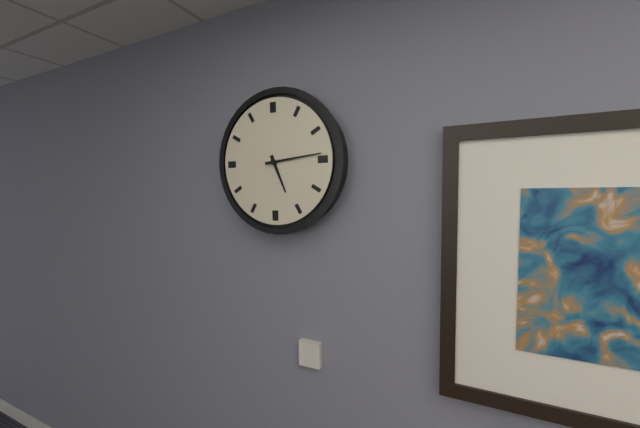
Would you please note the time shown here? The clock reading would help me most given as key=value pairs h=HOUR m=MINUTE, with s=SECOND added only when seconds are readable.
h=5 m=14
